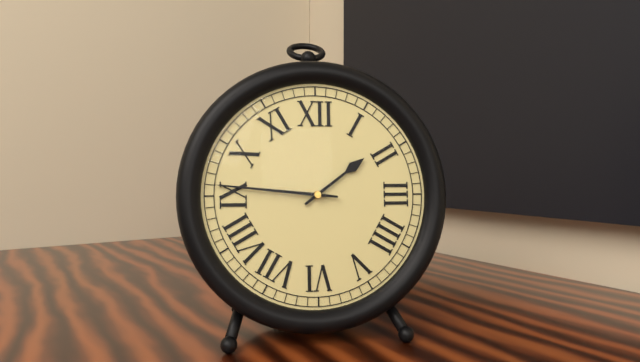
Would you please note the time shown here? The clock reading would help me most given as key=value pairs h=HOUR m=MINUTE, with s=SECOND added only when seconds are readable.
h=1 m=46
